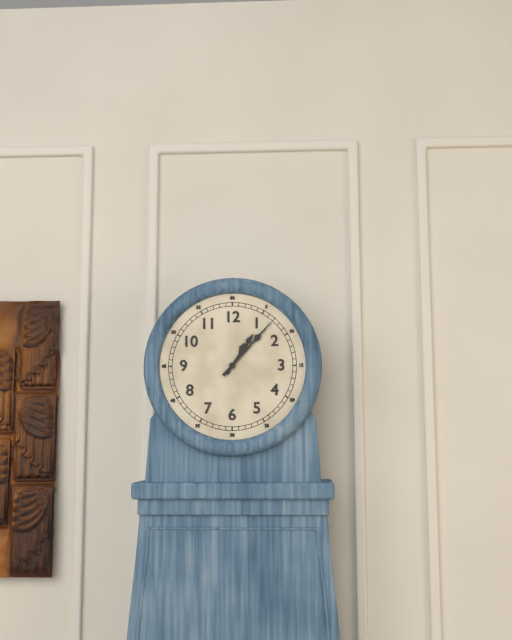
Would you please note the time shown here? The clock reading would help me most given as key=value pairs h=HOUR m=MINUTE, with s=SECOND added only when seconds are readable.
h=1 m=7
